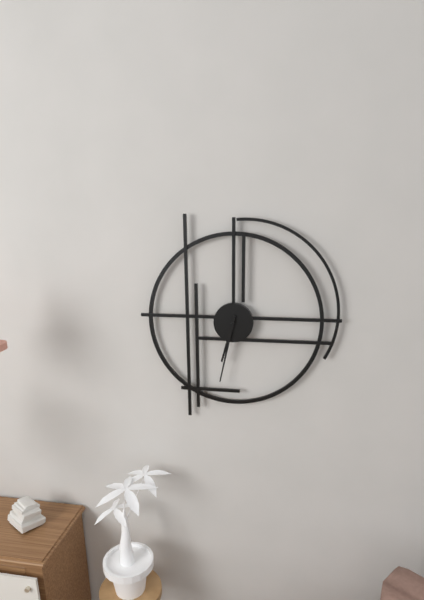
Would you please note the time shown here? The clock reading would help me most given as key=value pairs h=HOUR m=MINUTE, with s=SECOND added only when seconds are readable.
h=6 m=32
